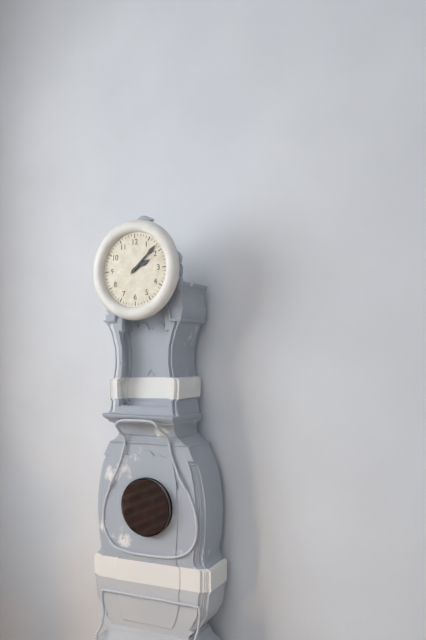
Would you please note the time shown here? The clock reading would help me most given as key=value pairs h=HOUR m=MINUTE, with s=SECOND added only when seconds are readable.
h=2 m=8
